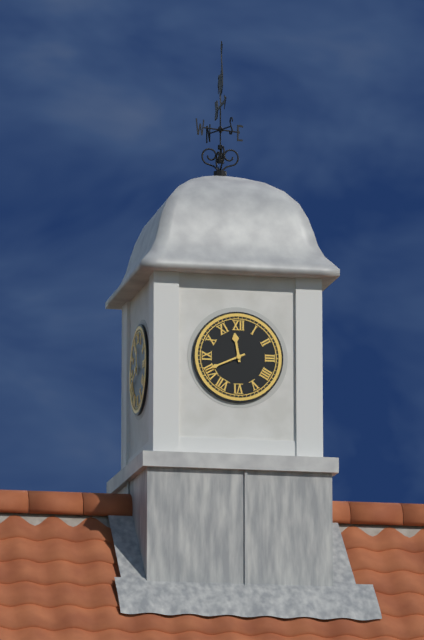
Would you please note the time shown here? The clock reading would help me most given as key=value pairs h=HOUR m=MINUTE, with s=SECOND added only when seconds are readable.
h=11 m=41
